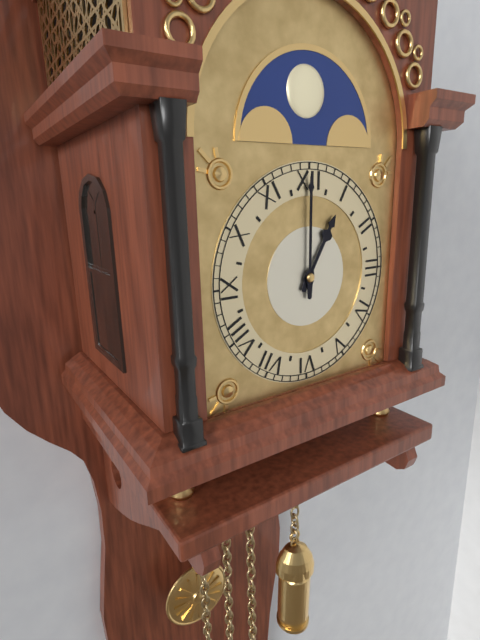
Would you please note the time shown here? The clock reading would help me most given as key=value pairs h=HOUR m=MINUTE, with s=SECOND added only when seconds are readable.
h=1 m=0
